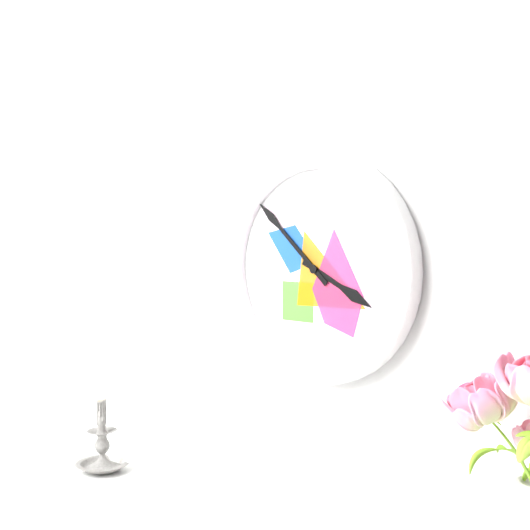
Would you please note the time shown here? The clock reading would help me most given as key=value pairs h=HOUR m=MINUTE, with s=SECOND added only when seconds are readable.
h=3 m=52
